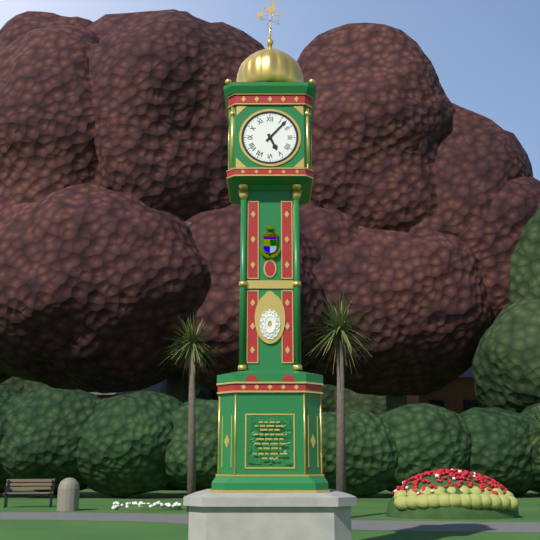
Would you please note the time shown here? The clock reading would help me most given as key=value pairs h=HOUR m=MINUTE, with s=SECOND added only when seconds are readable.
h=5 m=7
